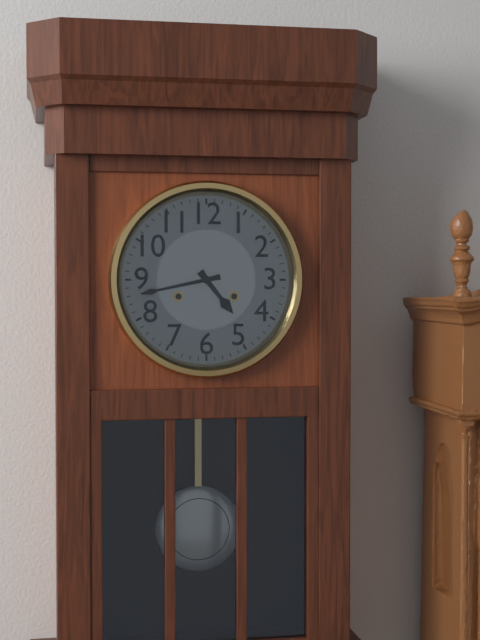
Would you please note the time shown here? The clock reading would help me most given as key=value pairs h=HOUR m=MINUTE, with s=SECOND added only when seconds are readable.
h=4 m=43
